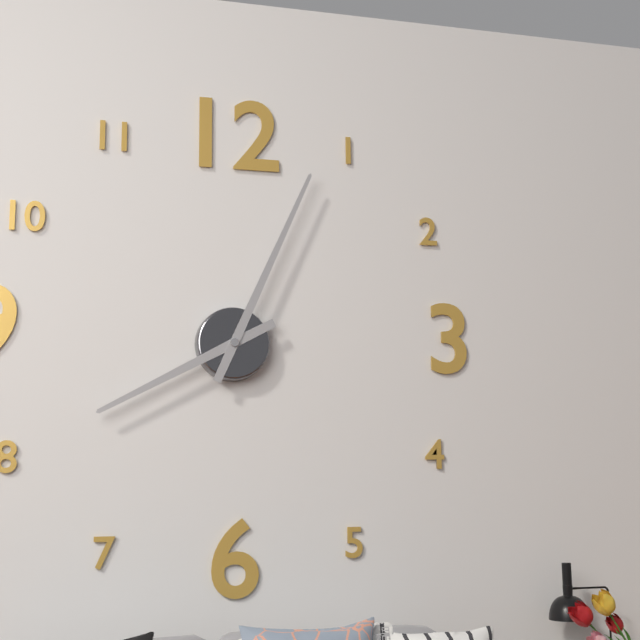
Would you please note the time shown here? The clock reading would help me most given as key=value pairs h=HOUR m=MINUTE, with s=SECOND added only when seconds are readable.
h=8 m=4
